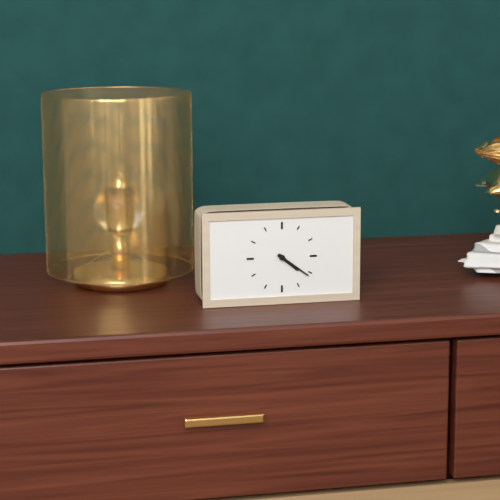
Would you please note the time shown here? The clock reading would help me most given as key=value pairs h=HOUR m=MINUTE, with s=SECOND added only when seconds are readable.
h=4 m=21
